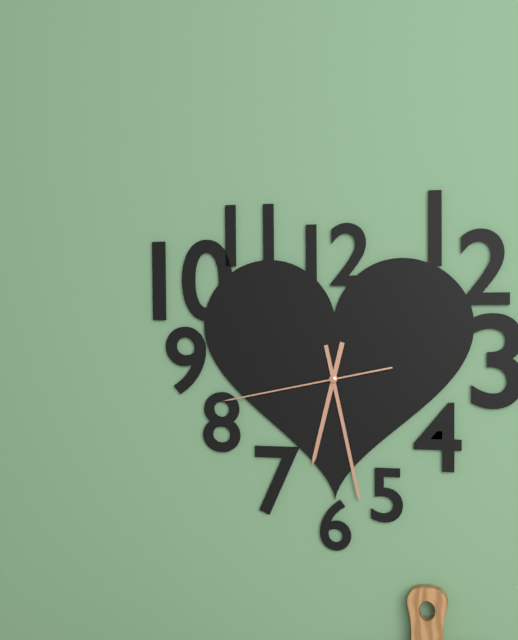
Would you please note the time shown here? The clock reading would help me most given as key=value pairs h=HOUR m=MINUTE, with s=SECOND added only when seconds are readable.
h=6 m=28 s=43
